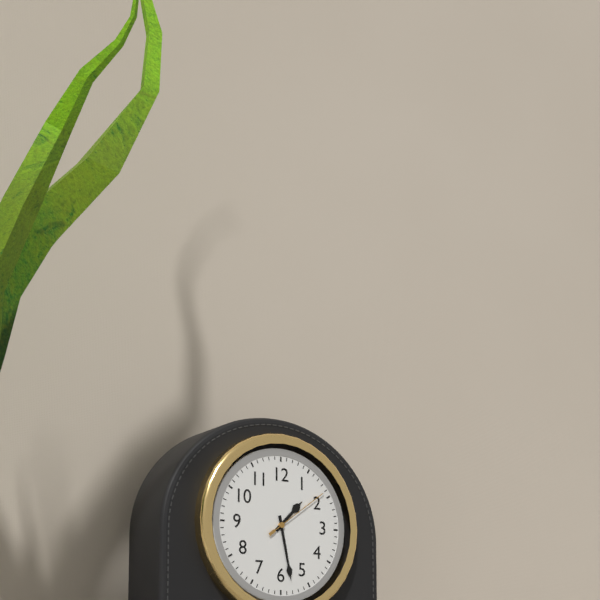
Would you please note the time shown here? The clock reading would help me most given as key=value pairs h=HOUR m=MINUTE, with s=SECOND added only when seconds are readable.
h=1 m=28 s=9
